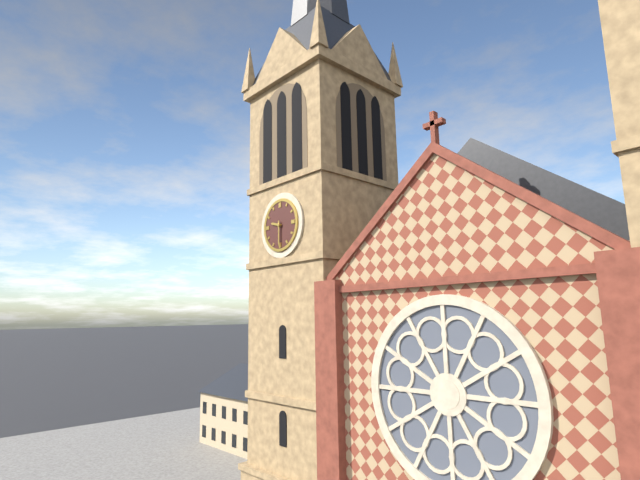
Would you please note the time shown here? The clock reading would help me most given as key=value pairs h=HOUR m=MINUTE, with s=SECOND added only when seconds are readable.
h=9 m=30
